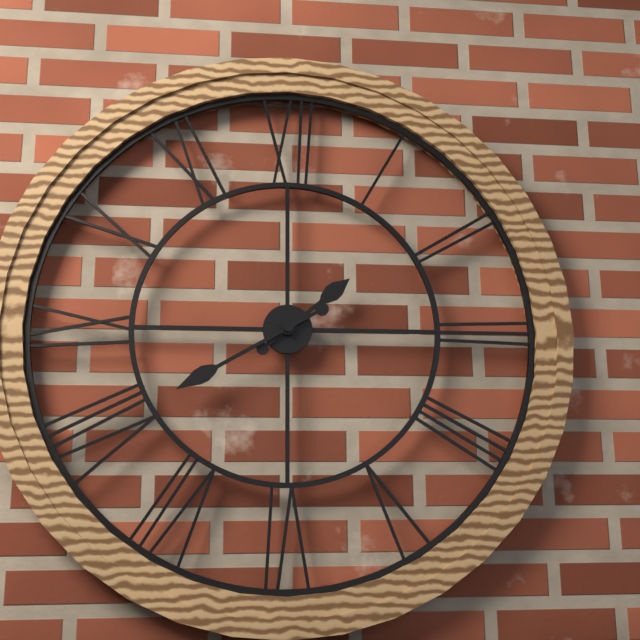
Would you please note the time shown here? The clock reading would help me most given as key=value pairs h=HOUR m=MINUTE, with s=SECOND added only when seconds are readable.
h=1 m=40
